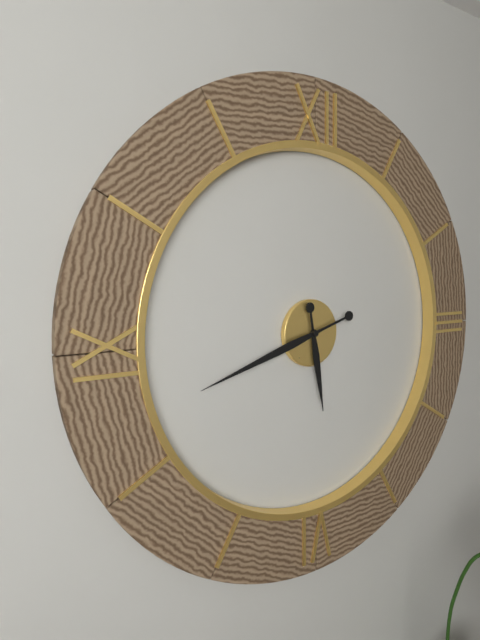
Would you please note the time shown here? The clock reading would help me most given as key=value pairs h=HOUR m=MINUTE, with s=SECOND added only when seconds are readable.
h=5 m=42
